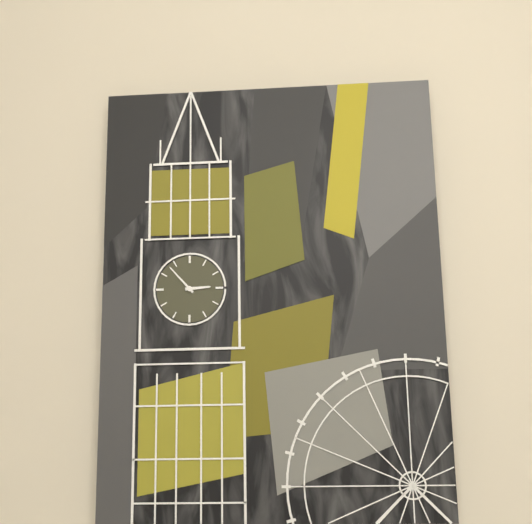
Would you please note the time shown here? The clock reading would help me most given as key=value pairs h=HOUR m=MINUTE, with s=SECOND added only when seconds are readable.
h=2 m=53
